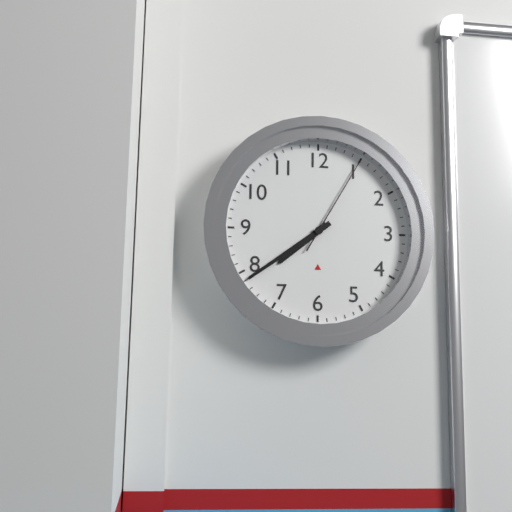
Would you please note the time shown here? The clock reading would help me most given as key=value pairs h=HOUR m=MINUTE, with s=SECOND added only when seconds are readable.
h=7 m=39 s=5
